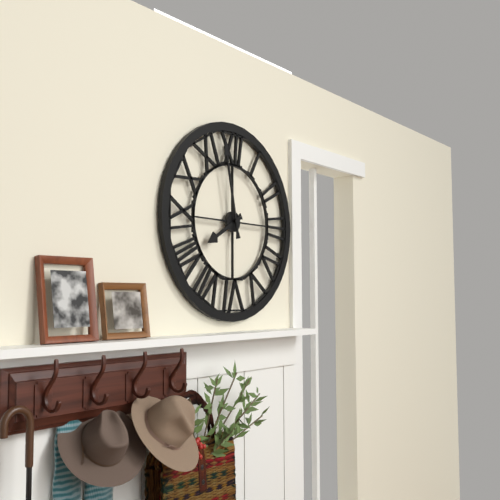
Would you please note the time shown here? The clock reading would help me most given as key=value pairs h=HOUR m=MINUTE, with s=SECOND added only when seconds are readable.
h=7 m=58
